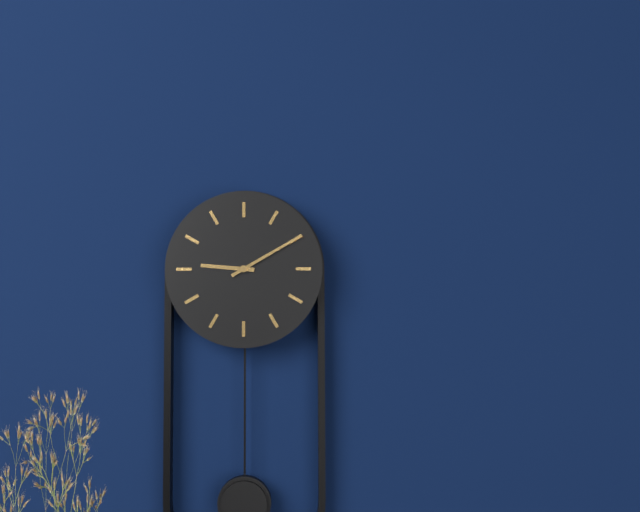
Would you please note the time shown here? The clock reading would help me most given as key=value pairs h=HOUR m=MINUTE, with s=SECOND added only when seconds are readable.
h=9 m=10
